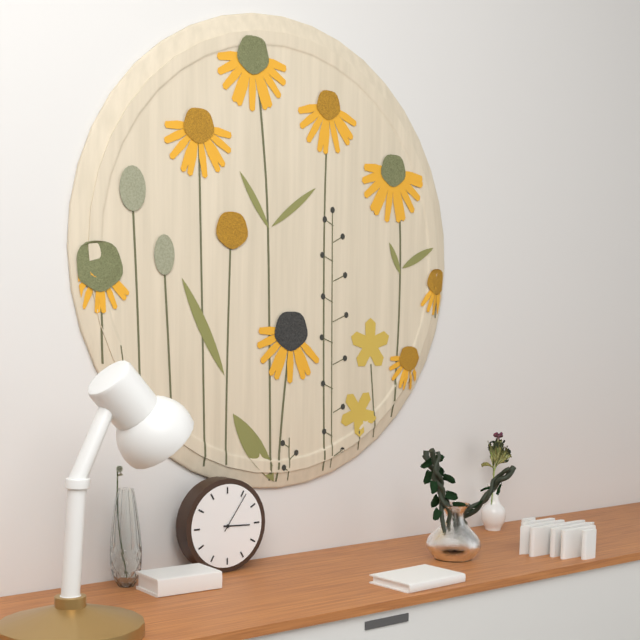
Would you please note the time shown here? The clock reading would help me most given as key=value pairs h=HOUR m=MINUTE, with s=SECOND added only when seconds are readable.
h=3 m=6
